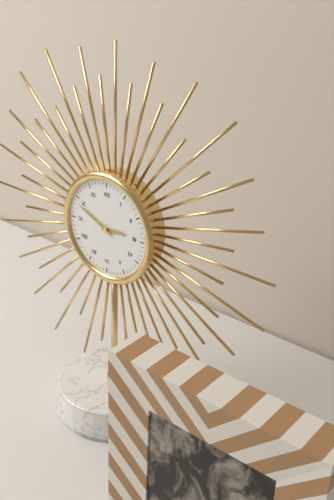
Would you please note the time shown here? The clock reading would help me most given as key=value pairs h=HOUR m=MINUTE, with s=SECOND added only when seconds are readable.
h=2 m=49
